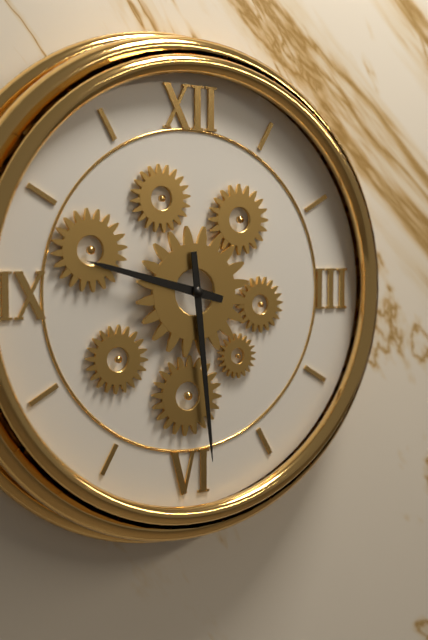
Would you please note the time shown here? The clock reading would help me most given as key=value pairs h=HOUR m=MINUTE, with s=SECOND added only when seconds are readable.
h=9 m=29
